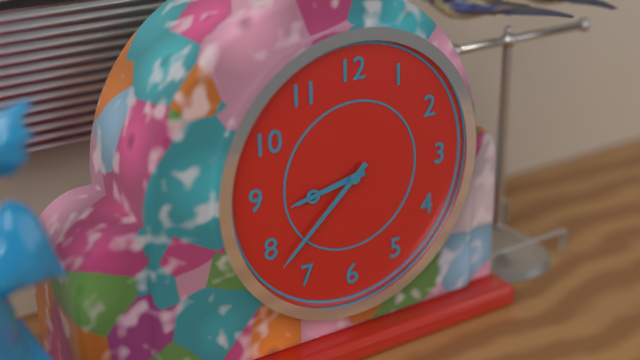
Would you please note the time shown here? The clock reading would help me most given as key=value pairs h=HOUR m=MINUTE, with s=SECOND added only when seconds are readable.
h=8 m=38
